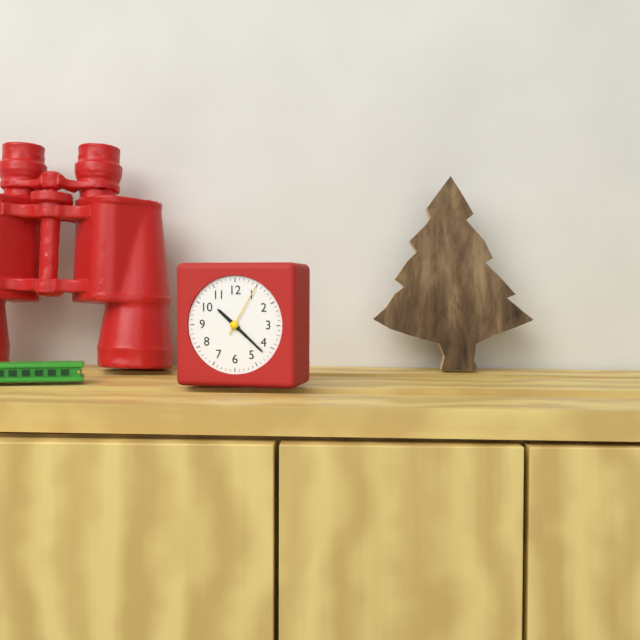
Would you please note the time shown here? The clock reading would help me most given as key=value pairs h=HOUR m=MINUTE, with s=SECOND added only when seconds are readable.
h=10 m=22 s=5
